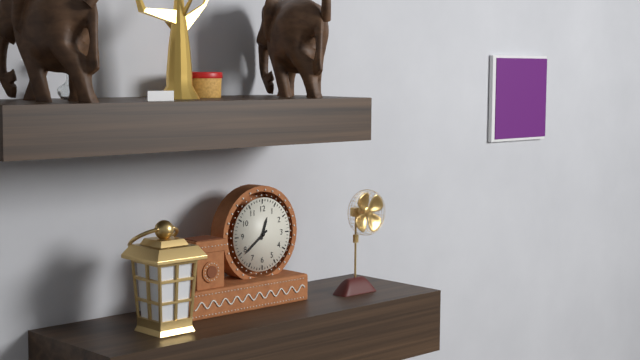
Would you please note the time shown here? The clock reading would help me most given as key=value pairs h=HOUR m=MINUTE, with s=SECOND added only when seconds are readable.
h=12 m=39
